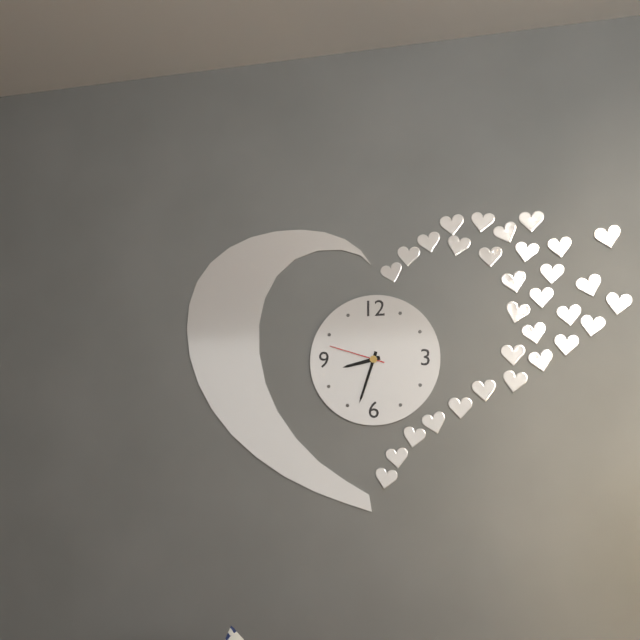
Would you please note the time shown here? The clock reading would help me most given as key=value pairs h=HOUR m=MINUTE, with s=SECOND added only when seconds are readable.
h=8 m=33 s=48
